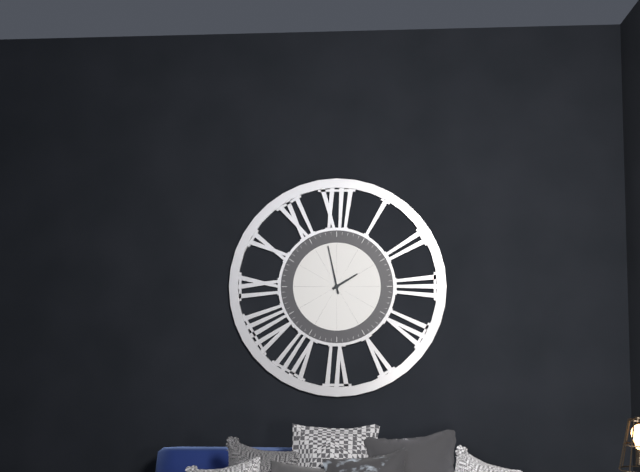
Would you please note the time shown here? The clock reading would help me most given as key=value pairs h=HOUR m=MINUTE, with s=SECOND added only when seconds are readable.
h=1 m=58
